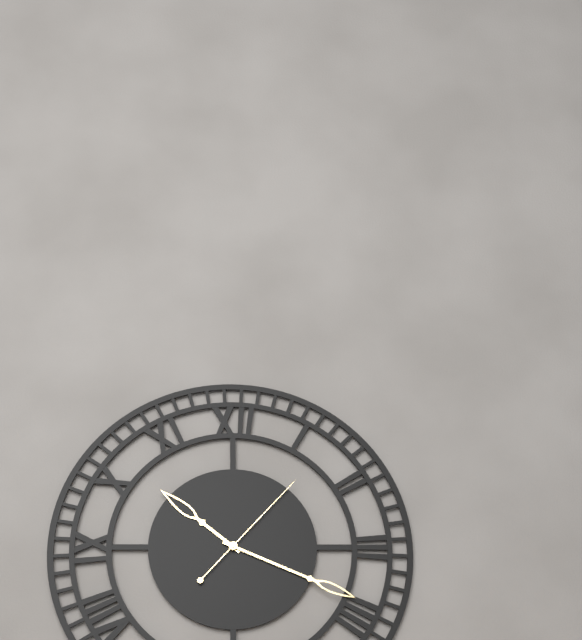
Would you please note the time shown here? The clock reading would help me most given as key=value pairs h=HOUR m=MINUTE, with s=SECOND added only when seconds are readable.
h=10 m=19 s=7
